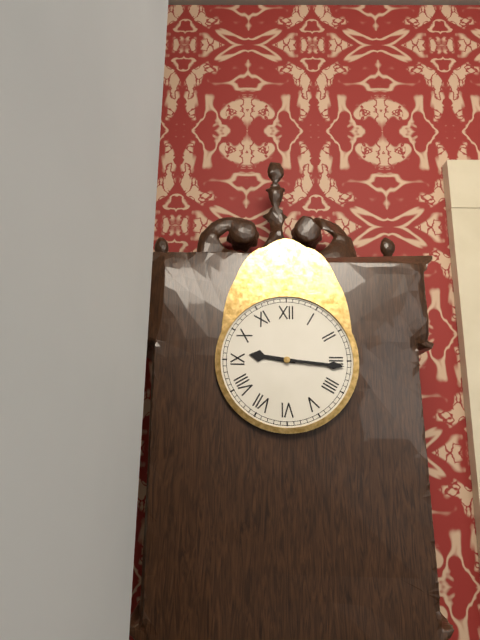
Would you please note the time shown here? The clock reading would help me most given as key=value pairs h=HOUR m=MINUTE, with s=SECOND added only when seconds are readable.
h=9 m=16
